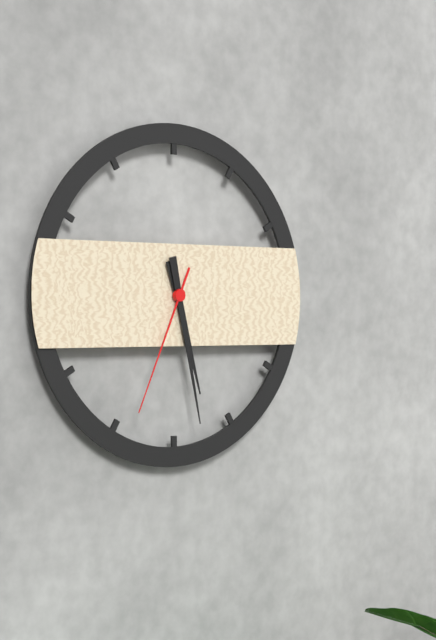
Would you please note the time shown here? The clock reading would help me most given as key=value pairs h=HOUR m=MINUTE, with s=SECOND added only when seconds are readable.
h=5 m=28 s=34
